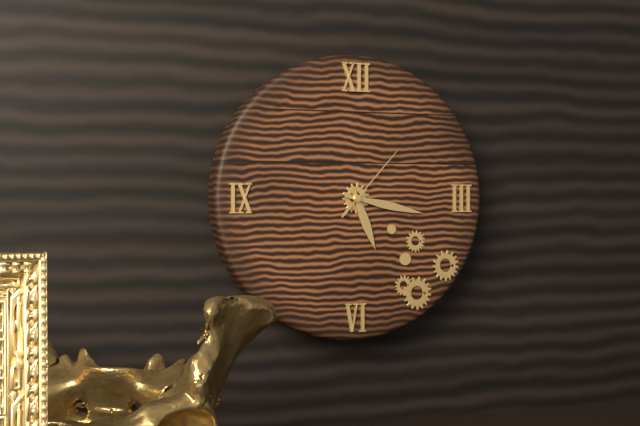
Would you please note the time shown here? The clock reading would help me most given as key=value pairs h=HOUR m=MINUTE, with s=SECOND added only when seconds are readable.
h=5 m=17 s=7
